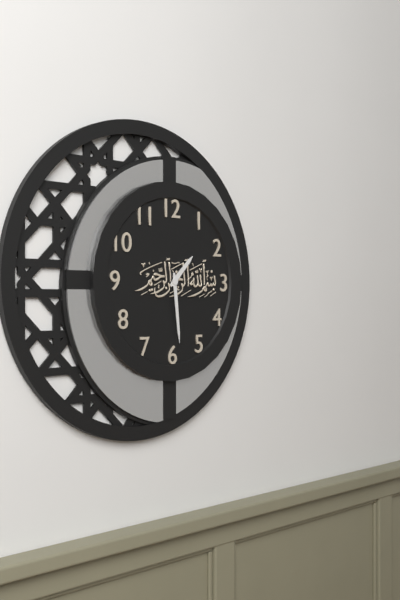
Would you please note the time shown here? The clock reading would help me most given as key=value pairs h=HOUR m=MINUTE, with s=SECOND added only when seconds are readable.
h=1 m=29
